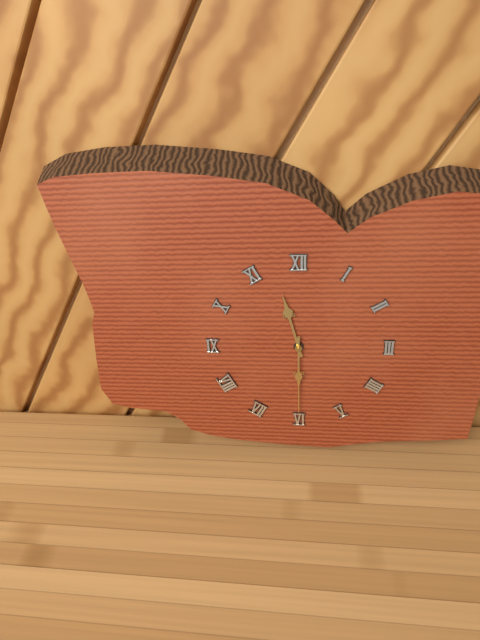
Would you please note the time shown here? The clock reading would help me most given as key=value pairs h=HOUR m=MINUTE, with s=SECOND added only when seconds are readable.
h=11 m=30
